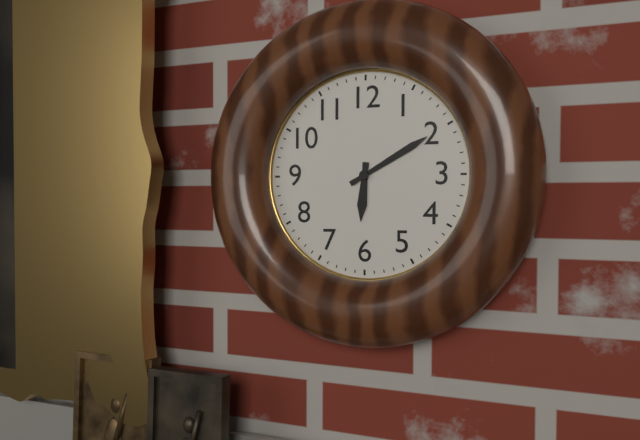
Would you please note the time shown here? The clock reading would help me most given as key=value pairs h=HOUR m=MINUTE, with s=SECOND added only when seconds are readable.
h=6 m=10
